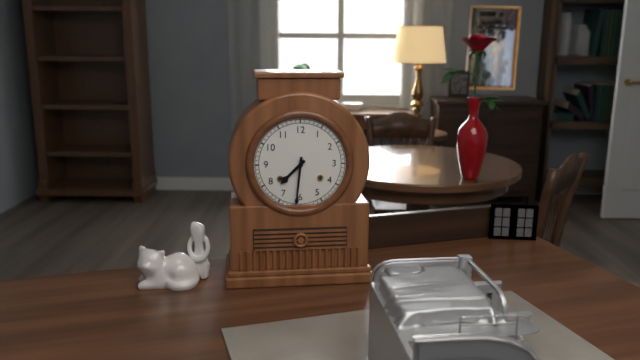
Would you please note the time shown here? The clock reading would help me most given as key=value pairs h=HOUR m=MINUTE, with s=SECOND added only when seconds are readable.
h=7 m=31
